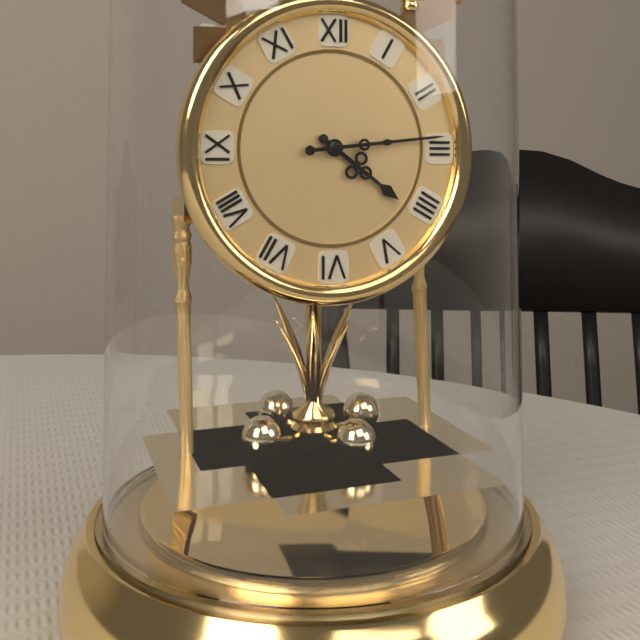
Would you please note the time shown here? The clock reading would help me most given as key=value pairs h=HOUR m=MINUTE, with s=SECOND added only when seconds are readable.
h=4 m=14
